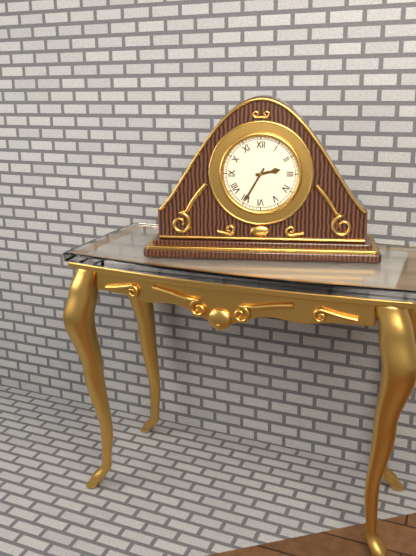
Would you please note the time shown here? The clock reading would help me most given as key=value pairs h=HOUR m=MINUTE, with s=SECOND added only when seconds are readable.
h=2 m=35
